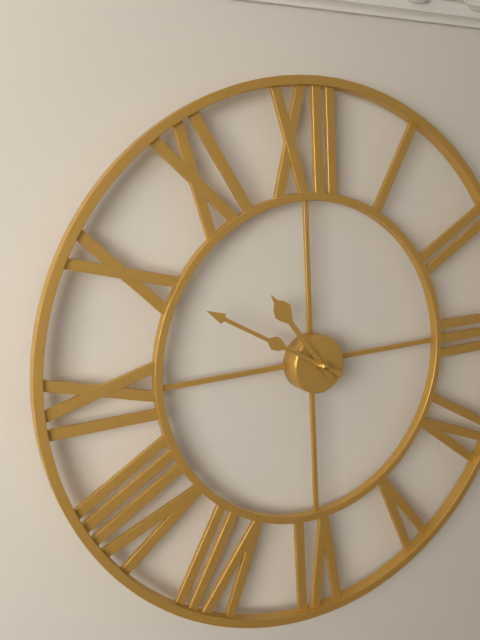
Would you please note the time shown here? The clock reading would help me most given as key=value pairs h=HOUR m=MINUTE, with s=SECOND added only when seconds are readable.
h=10 m=50
